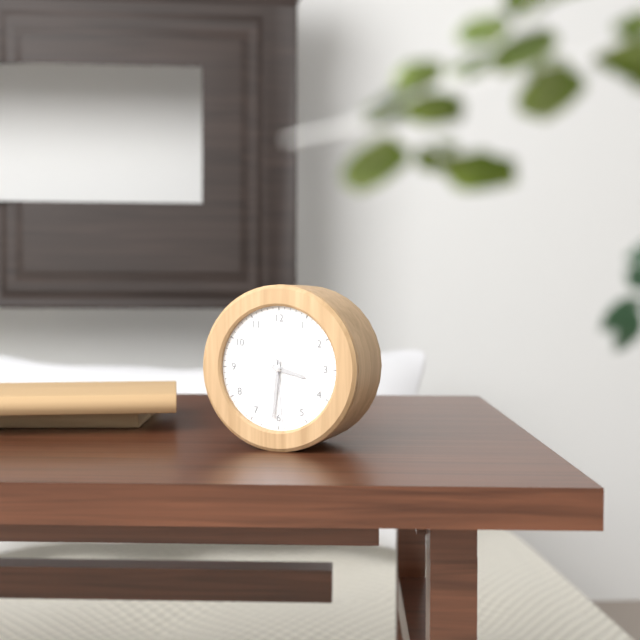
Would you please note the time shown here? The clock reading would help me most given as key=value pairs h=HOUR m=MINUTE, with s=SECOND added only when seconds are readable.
h=3 m=31 s=29
